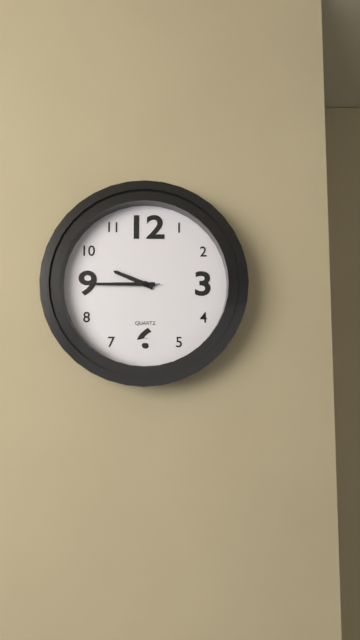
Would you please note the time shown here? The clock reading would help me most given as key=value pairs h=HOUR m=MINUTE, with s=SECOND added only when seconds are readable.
h=9 m=45 s=45
